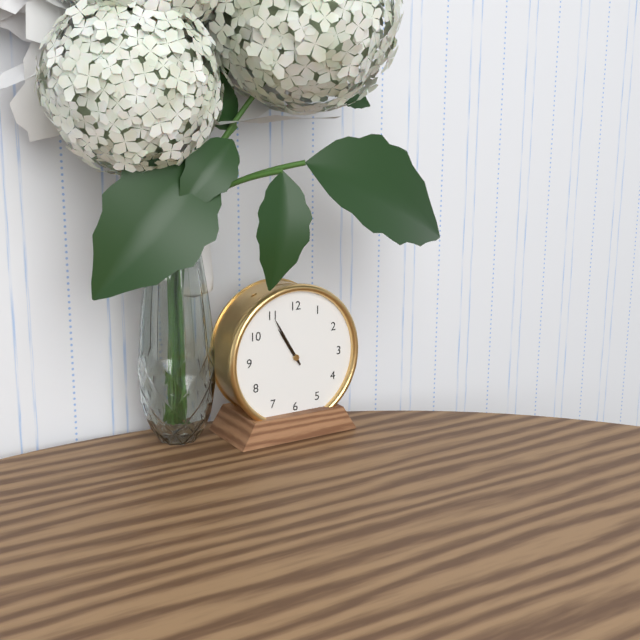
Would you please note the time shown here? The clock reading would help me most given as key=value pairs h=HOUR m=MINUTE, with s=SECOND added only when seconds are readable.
h=10 m=55
